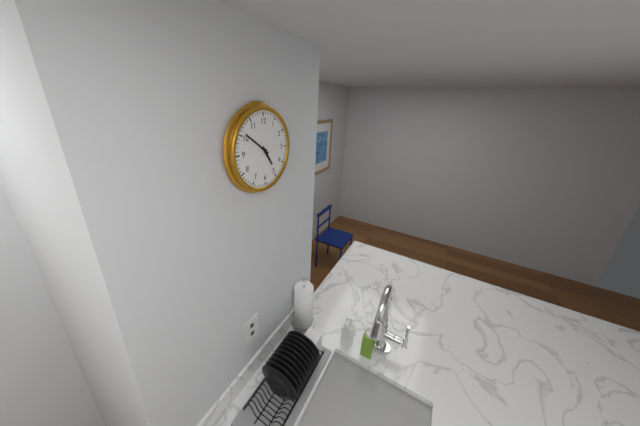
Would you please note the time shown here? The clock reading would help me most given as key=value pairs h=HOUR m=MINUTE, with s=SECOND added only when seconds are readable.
h=4 m=51
